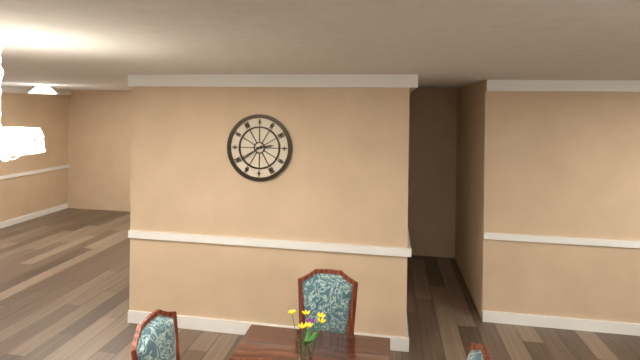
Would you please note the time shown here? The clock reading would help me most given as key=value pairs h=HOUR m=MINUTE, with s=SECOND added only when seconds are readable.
h=2 m=39
